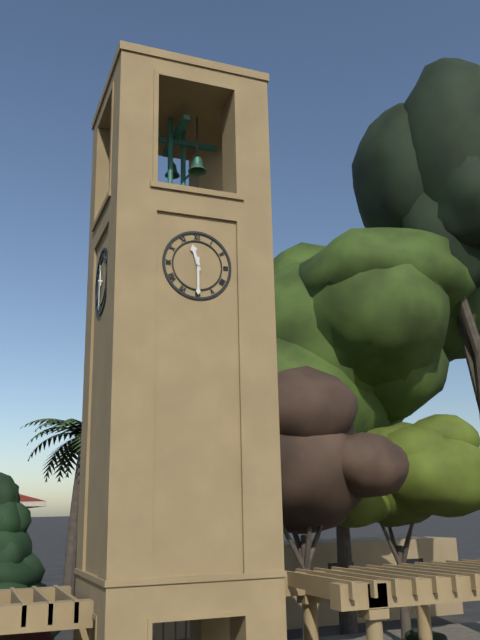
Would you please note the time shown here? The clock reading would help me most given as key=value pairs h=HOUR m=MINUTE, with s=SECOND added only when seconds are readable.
h=11 m=30
